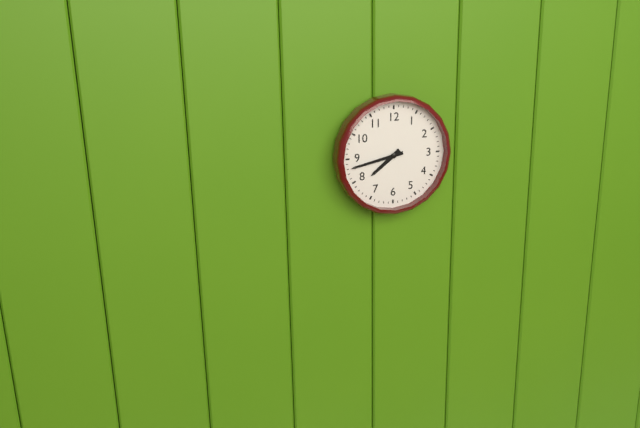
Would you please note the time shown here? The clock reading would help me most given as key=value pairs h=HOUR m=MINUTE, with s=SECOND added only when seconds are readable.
h=7 m=43
